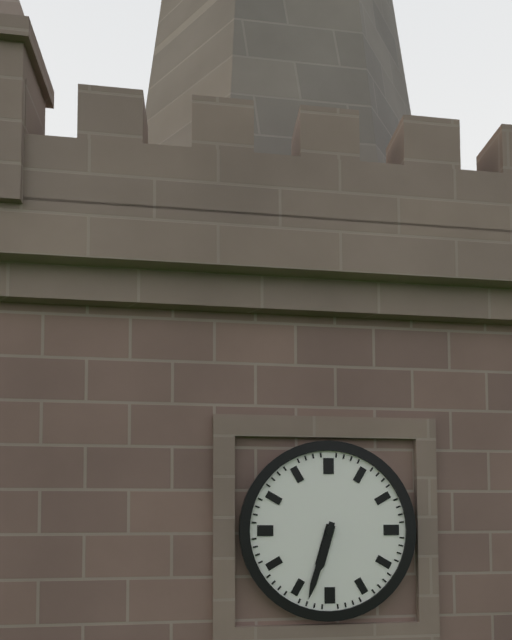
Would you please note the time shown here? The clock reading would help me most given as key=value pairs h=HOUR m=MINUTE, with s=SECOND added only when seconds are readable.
h=6 m=33
